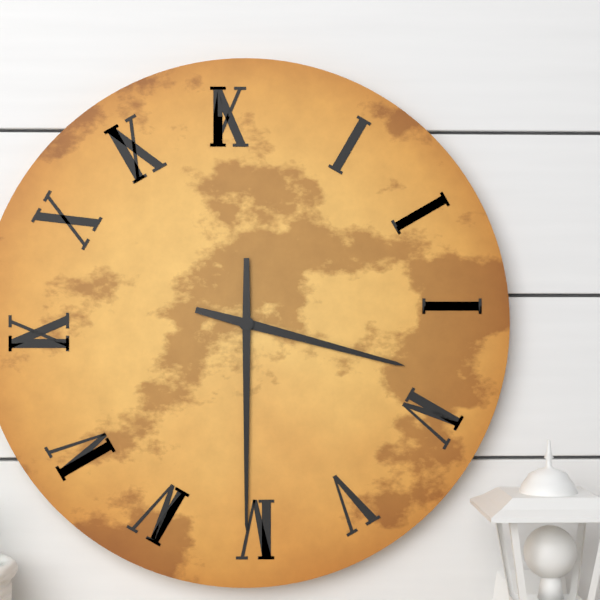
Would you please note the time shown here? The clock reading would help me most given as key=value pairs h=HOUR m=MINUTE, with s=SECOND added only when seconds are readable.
h=3 m=30
